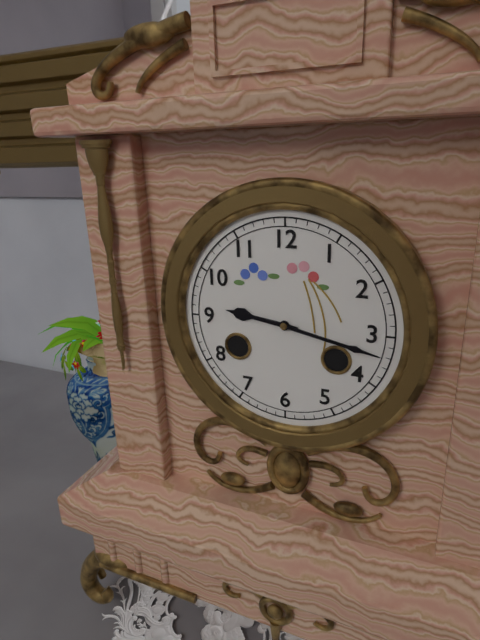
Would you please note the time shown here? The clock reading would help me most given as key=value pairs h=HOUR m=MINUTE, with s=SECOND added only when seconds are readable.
h=9 m=17
